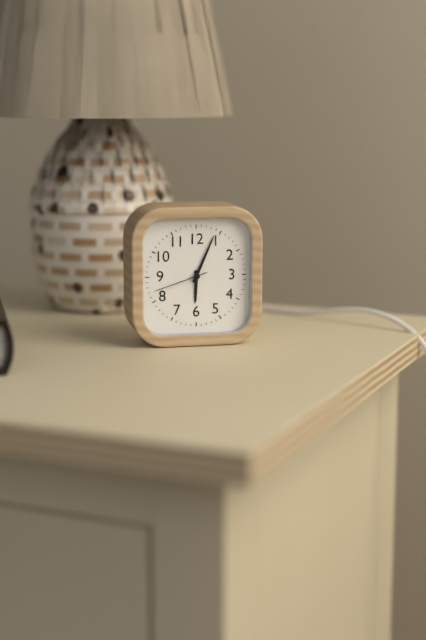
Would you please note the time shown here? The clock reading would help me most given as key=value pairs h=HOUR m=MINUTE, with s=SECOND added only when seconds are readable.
h=6 m=4 s=42
